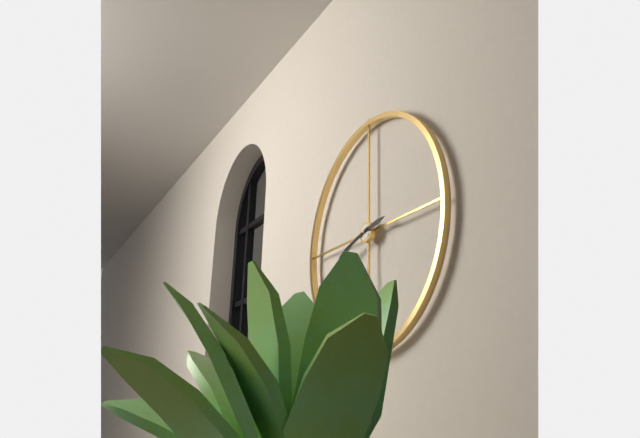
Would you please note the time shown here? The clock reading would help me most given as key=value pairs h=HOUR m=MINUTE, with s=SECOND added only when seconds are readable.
h=2 m=42
